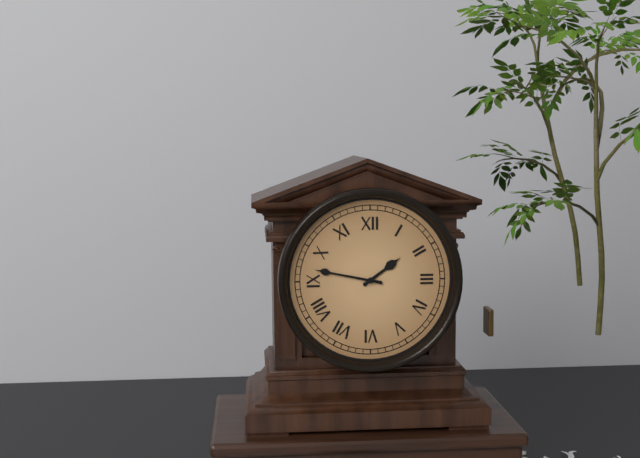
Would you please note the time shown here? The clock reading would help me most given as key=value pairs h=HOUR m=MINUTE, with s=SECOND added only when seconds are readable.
h=1 m=47
